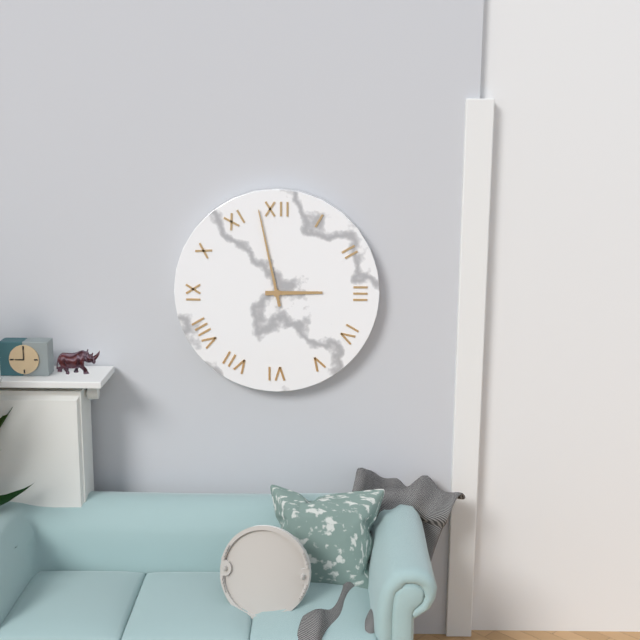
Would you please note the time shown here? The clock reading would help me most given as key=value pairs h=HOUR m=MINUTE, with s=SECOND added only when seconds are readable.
h=2 m=58
